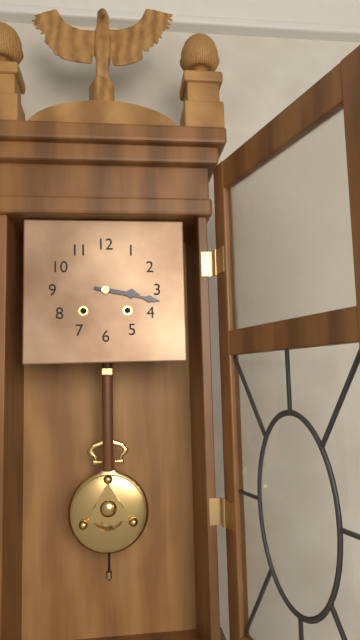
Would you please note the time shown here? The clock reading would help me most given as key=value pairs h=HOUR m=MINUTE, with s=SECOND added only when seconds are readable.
h=3 m=17
